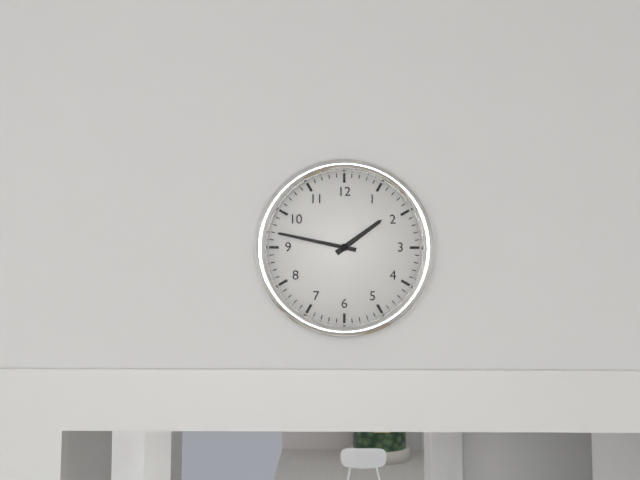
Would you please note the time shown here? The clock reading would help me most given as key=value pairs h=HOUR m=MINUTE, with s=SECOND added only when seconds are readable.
h=1 m=47
